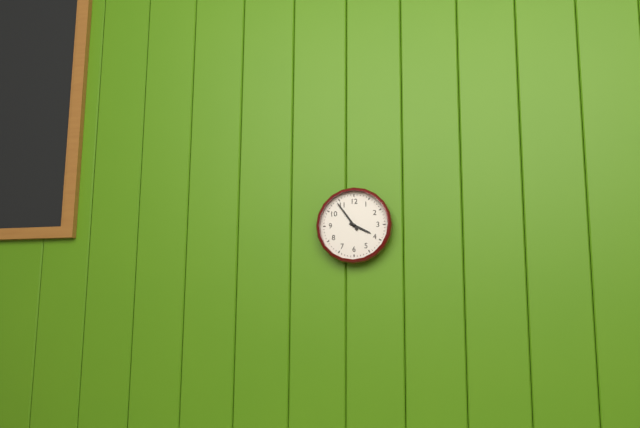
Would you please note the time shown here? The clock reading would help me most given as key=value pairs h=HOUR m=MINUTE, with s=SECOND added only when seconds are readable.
h=3 m=54
